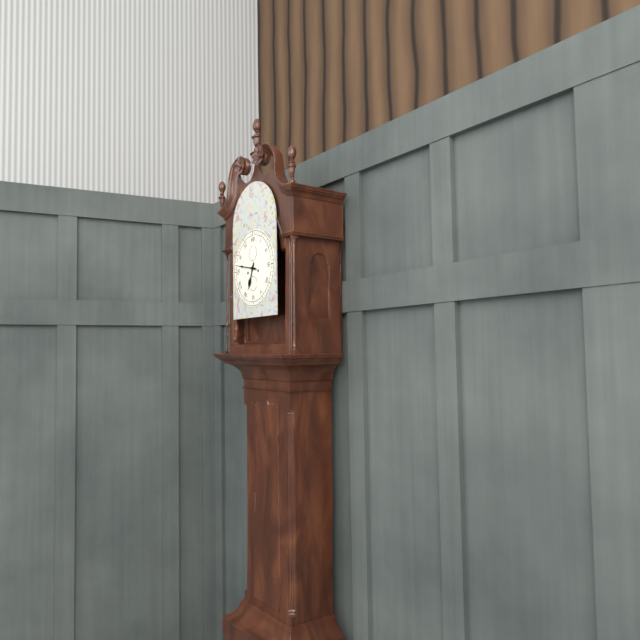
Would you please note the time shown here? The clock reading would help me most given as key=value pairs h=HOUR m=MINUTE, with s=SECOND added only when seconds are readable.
h=6 m=47
